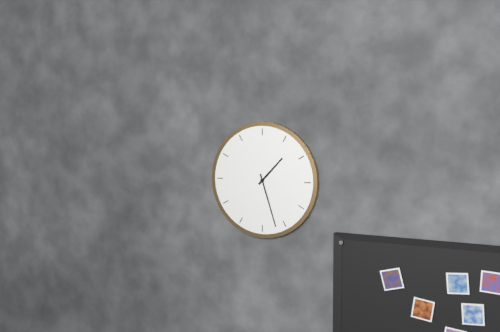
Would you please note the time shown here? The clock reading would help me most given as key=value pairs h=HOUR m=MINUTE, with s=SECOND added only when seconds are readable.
h=1 m=27
